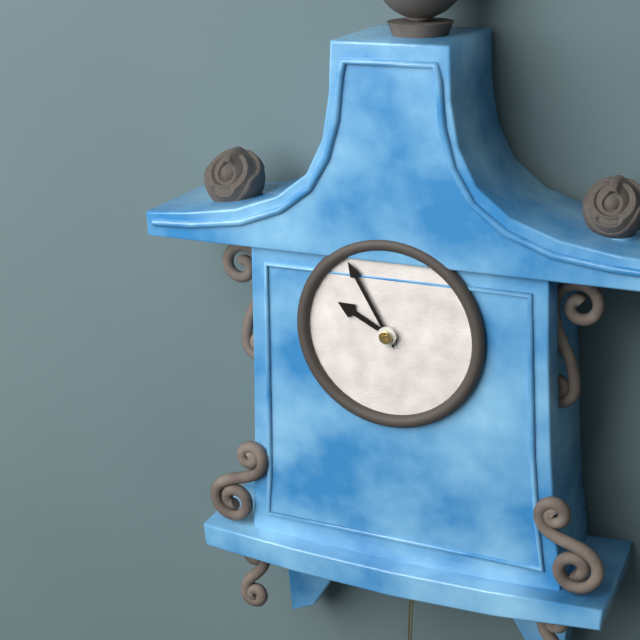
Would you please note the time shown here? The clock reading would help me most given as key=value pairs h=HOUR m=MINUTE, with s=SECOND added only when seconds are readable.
h=9 m=55
